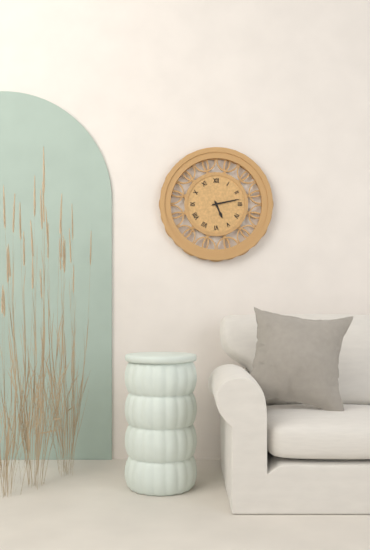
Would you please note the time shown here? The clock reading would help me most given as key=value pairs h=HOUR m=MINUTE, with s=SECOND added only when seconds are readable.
h=5 m=13
